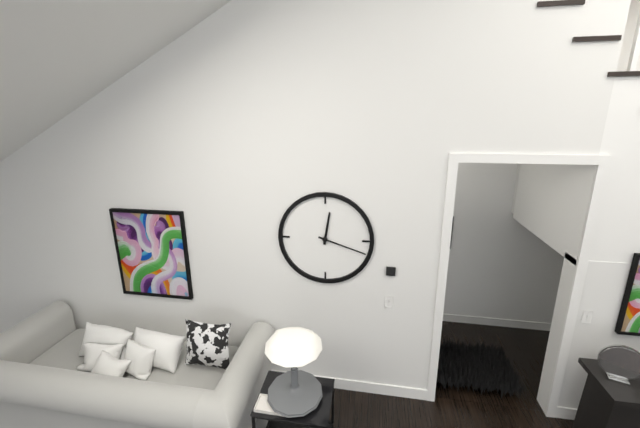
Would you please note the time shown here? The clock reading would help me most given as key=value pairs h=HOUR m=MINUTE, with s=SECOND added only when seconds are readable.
h=12 m=18
